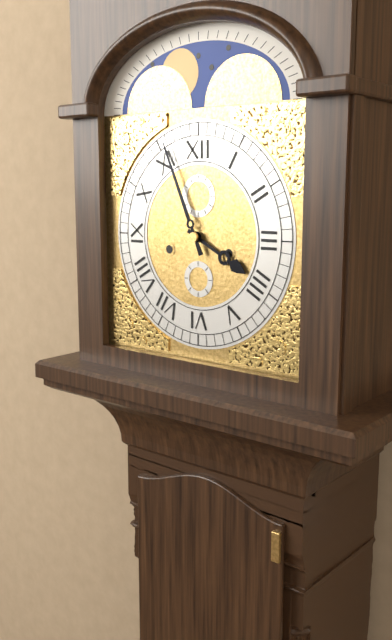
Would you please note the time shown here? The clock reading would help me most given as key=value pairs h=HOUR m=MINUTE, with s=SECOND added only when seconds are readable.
h=3 m=56
